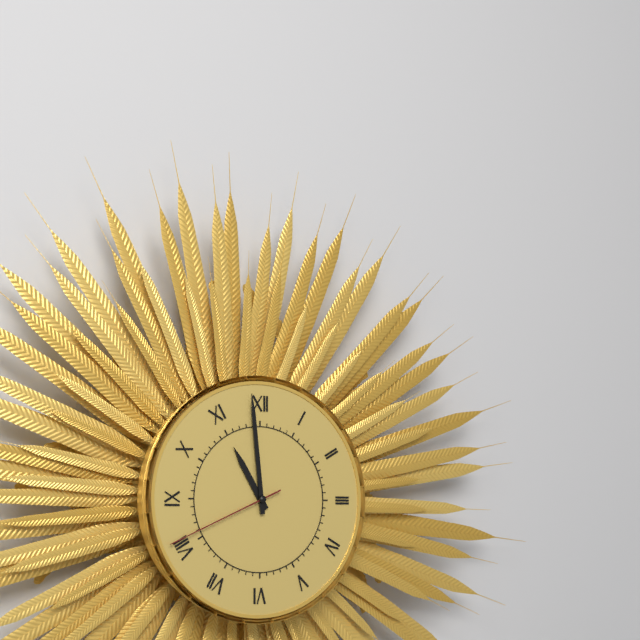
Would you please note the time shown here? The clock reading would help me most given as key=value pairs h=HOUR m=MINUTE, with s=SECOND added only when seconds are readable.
h=10 m=59 s=41
